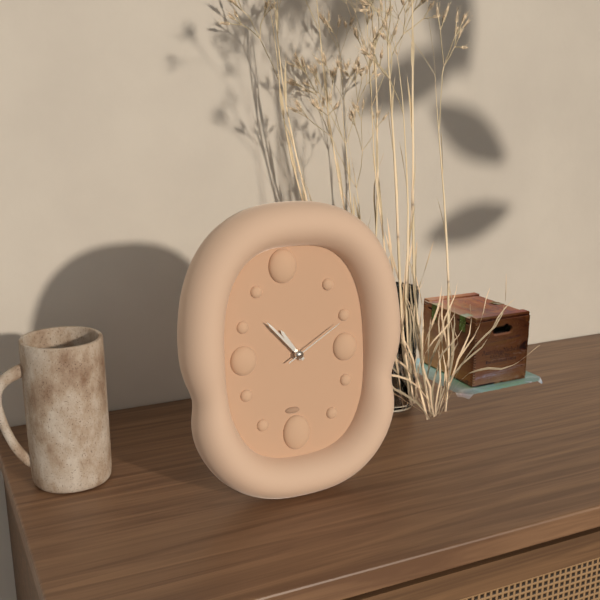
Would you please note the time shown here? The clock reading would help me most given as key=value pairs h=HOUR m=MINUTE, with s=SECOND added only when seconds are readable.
h=10 m=53 s=10
